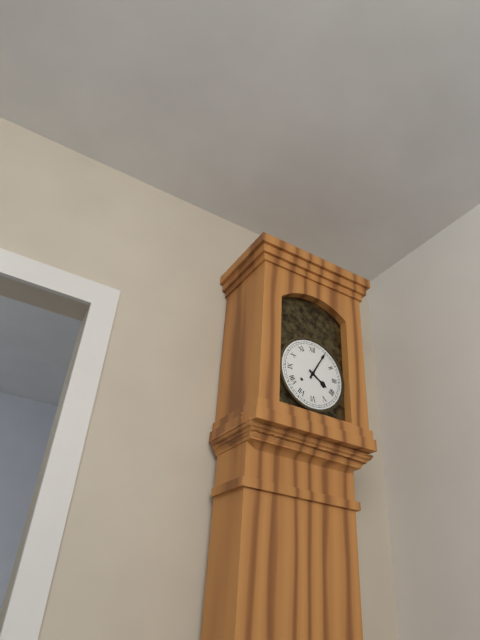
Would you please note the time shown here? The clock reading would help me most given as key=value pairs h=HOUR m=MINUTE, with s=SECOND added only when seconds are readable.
h=4 m=5
